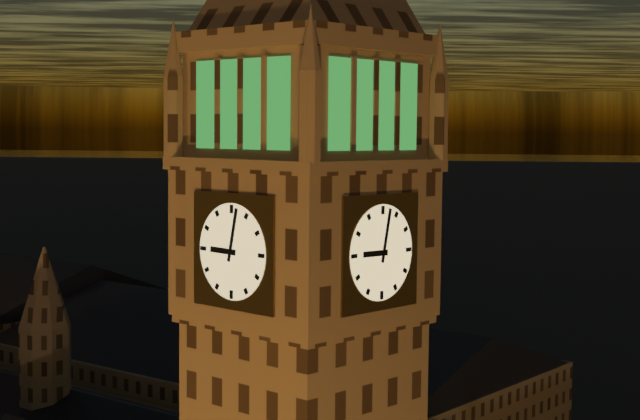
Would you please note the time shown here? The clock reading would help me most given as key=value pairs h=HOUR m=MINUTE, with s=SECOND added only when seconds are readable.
h=9 m=2
